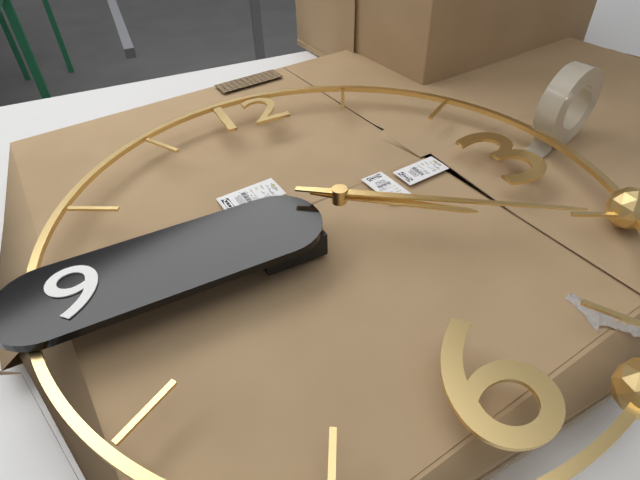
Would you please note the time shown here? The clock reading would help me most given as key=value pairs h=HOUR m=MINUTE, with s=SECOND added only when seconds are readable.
h=4 m=21
